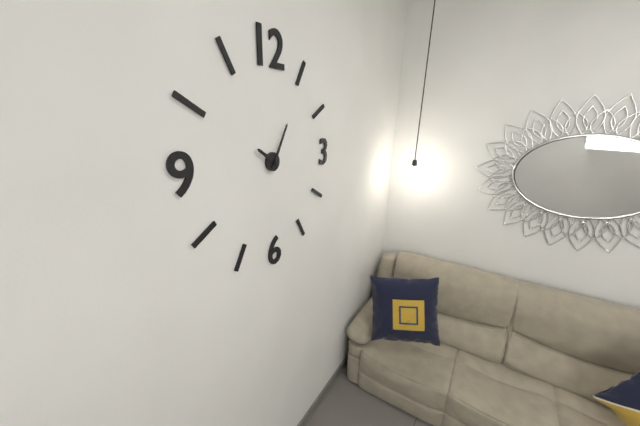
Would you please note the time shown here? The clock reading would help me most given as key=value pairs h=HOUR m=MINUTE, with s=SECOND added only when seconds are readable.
h=10 m=5
